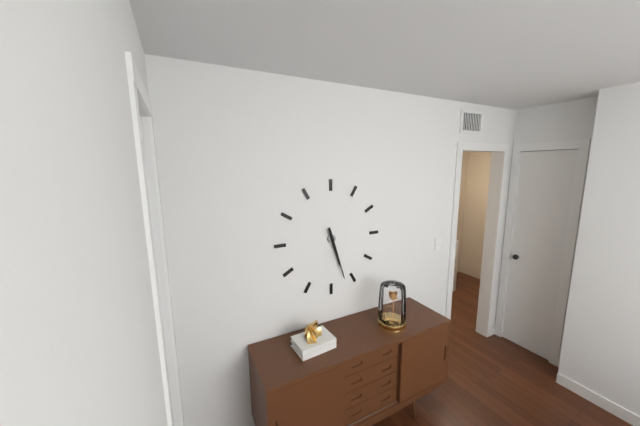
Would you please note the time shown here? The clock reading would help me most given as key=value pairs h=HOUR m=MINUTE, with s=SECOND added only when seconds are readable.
h=5 m=27
